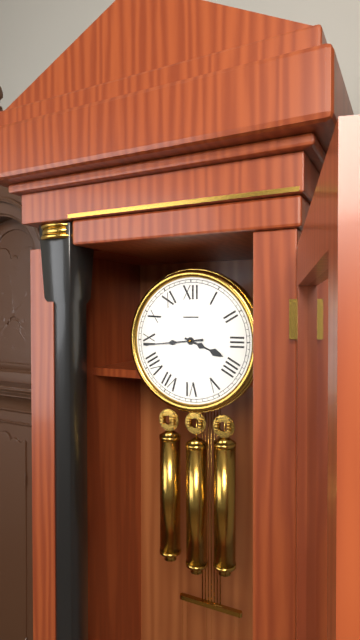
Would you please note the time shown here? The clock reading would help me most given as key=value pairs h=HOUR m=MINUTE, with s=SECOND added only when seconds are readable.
h=3 m=44
